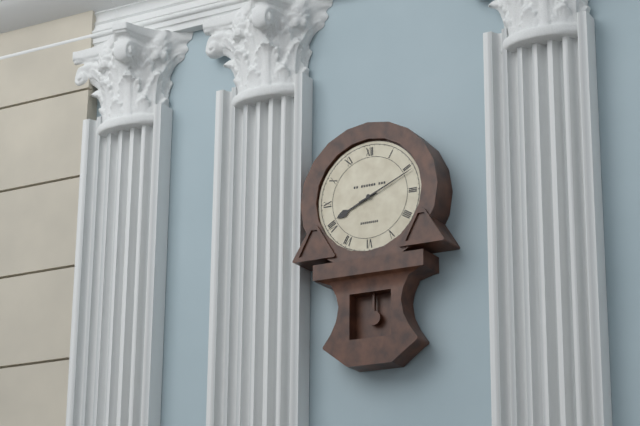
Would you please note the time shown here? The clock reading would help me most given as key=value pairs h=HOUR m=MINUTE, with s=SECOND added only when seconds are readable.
h=8 m=11
